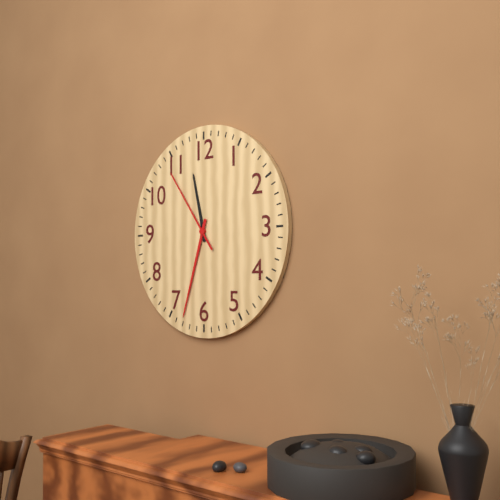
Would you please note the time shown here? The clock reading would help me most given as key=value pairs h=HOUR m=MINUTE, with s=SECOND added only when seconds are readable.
h=11 m=33 s=54
